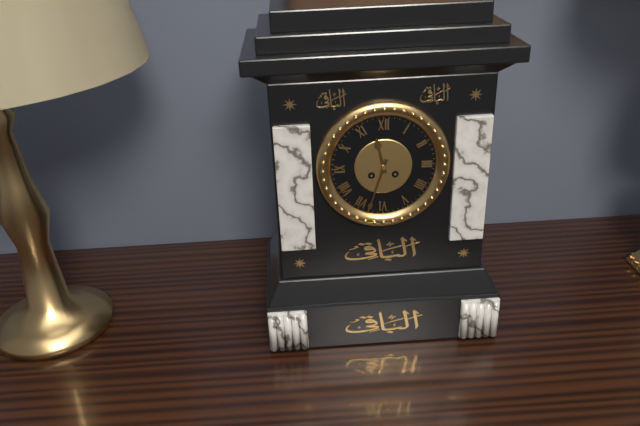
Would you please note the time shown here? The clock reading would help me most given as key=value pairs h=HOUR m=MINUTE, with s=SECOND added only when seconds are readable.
h=11 m=33
